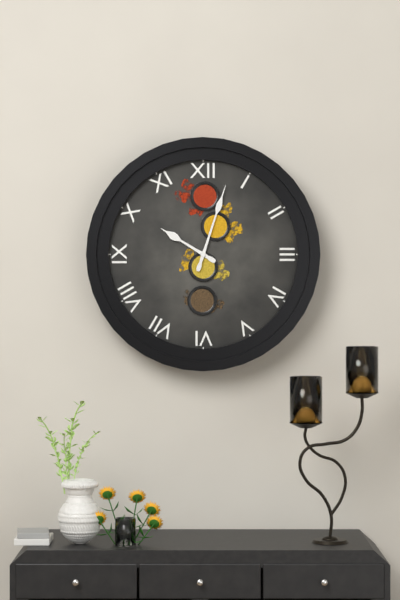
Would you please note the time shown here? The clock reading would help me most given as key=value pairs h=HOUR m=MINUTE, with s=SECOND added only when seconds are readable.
h=10 m=3
